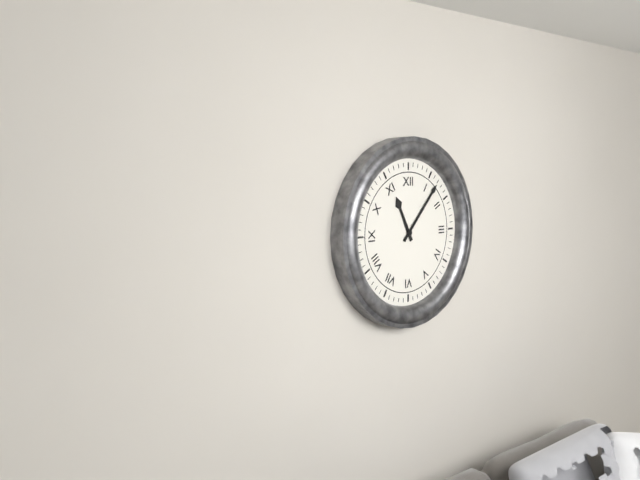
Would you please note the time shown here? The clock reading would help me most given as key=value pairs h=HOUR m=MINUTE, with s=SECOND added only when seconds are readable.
h=11 m=7
